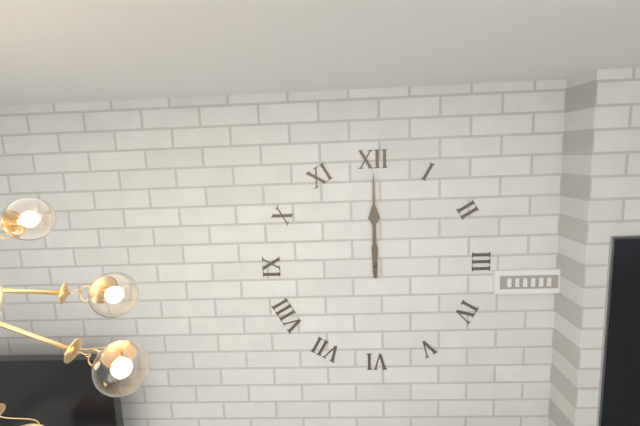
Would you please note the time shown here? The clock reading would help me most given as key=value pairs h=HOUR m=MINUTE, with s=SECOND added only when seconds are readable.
h=12 m=0
